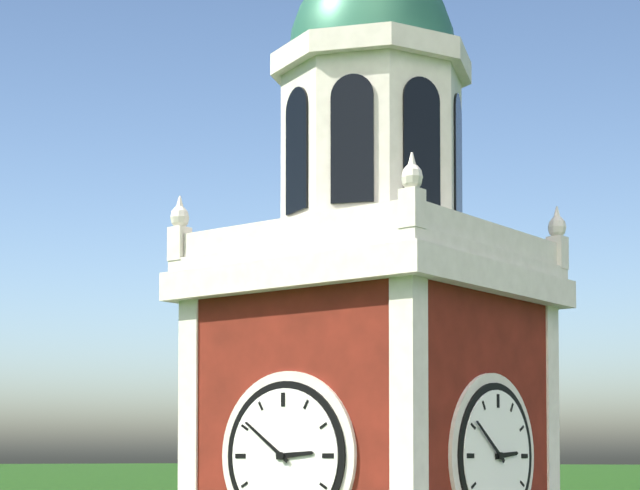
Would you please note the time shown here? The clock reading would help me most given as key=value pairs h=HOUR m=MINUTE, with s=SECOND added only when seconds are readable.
h=2 m=51
